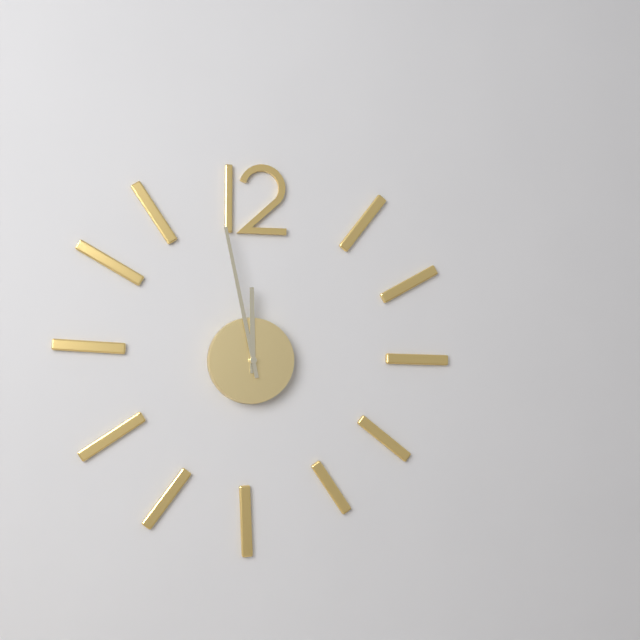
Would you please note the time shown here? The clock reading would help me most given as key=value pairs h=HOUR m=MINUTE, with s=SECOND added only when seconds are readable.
h=11 m=58
